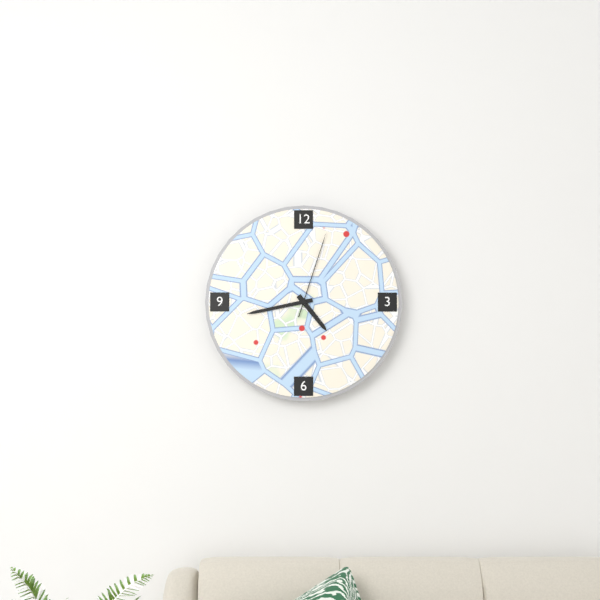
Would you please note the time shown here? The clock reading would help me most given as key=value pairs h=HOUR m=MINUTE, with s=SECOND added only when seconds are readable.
h=4 m=43 s=3
